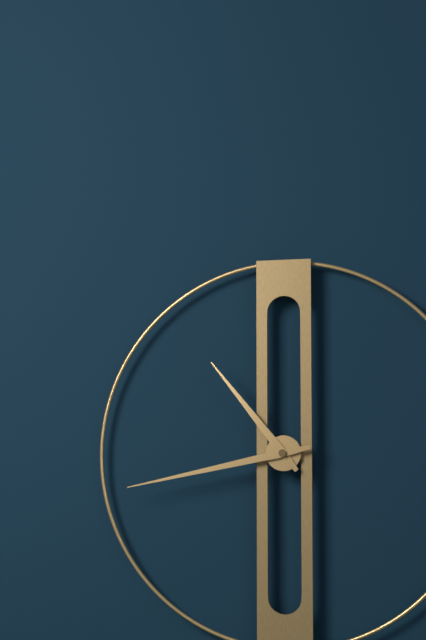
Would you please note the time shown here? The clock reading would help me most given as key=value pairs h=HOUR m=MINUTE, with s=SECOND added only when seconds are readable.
h=10 m=43
